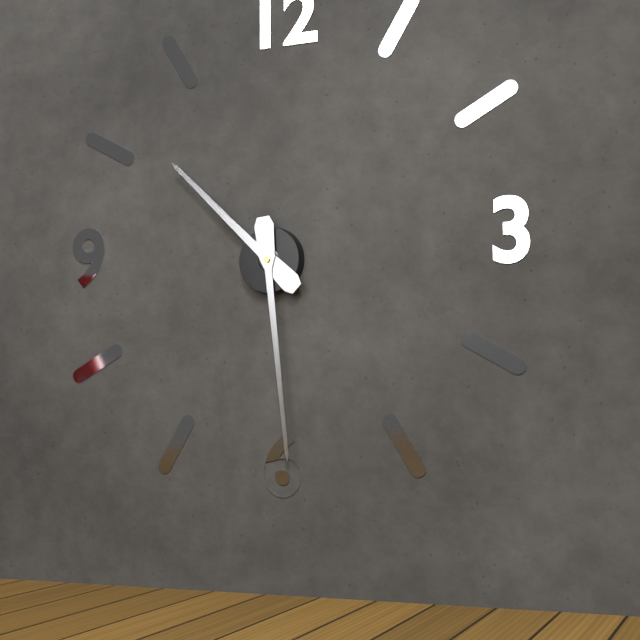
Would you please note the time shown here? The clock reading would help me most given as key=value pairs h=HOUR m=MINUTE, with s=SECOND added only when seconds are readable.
h=10 m=29
